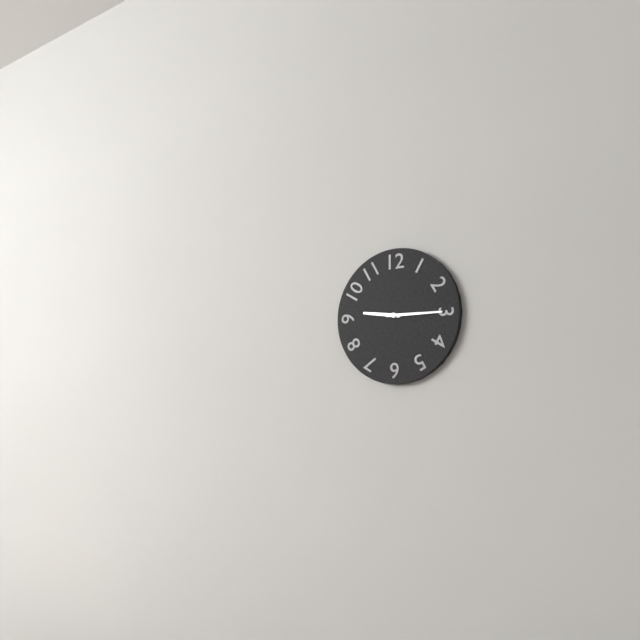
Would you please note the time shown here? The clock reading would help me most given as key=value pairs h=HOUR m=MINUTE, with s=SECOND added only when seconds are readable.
h=9 m=15
